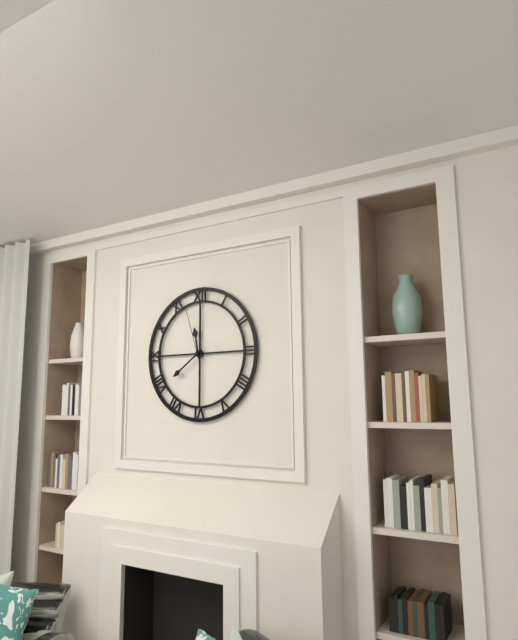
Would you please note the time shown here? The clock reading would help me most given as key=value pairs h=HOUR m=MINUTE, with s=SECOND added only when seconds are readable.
h=11 m=39 s=57
